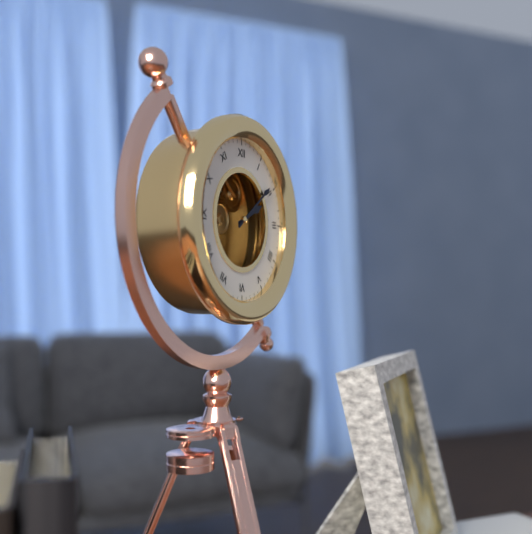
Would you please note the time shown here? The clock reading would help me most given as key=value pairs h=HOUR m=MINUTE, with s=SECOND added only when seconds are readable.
h=2 m=9
